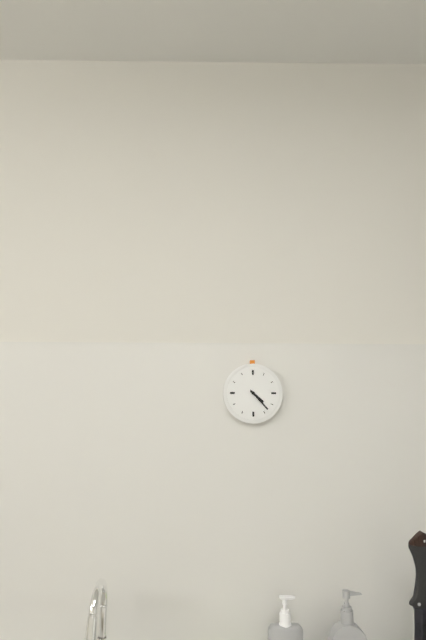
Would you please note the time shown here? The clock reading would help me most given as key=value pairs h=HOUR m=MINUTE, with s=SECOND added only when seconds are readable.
h=4 m=23
